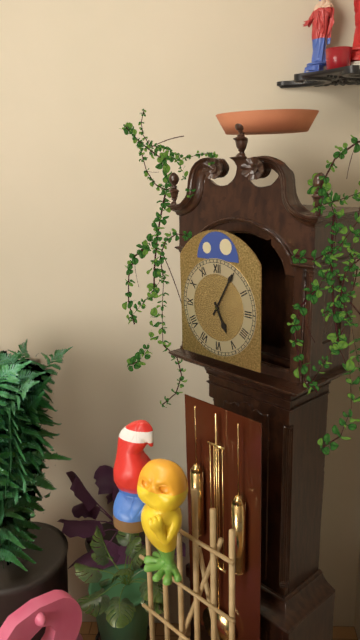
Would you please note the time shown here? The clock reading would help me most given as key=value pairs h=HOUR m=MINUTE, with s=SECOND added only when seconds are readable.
h=5 m=5
